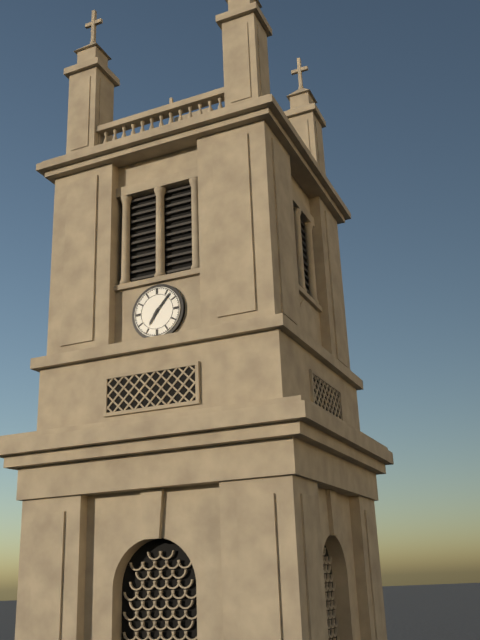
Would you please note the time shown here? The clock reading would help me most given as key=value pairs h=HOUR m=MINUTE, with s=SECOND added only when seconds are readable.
h=7 m=7
